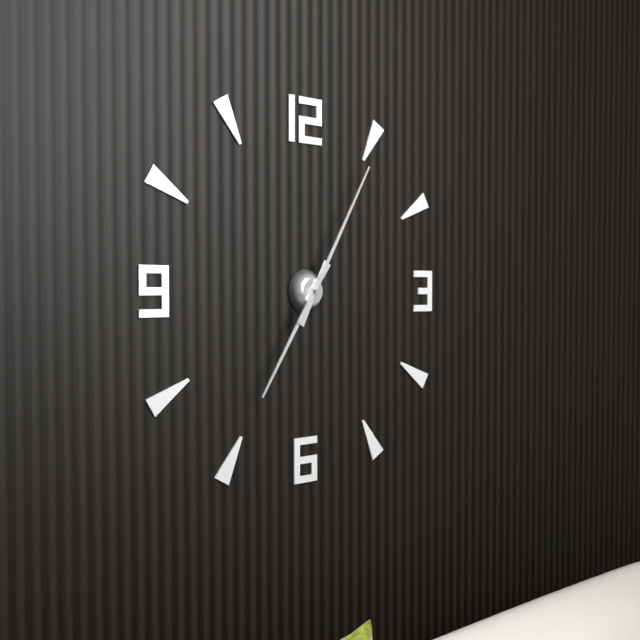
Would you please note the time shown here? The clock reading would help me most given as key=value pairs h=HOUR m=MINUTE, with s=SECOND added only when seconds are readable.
h=7 m=5
